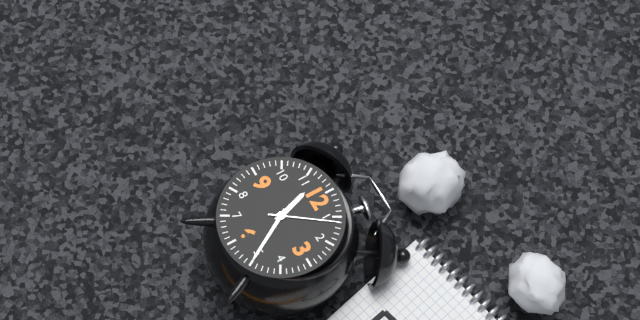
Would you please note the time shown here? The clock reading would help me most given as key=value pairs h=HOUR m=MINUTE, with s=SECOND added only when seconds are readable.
h=11 m=25 s=6
